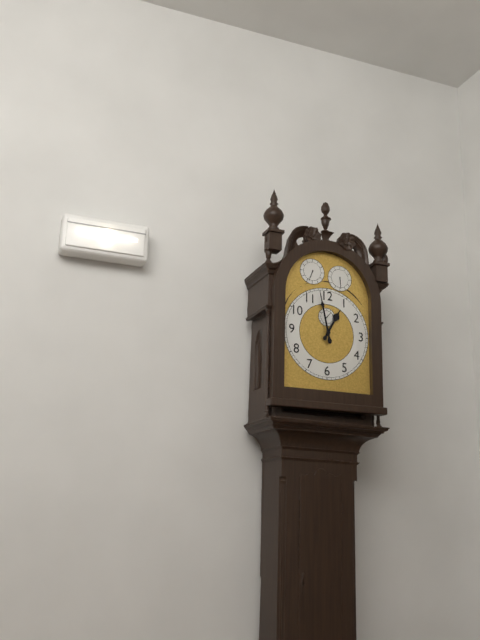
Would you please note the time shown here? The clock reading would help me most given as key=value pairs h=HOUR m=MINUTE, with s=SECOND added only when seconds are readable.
h=12 m=58
